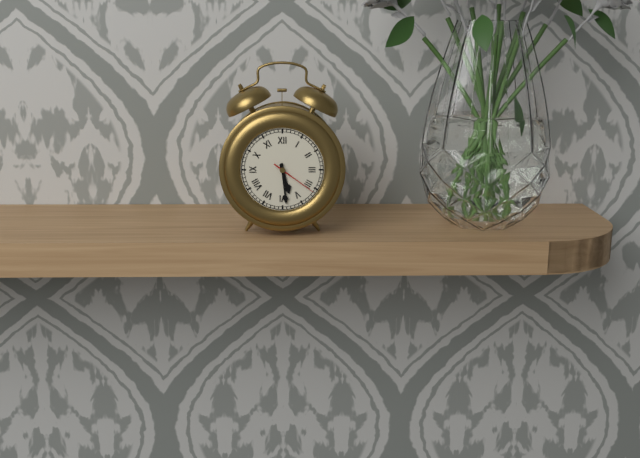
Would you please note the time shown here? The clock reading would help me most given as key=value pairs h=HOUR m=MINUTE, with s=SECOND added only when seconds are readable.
h=5 m=29
